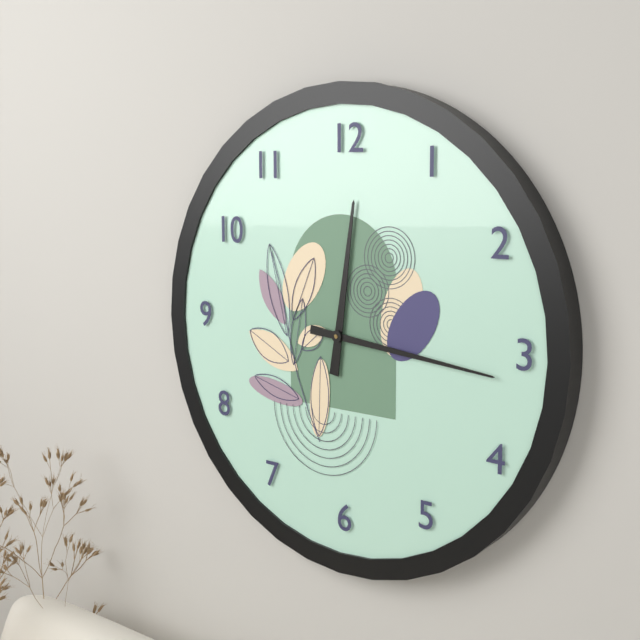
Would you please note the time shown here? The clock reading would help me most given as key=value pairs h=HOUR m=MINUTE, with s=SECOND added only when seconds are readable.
h=12 m=16
